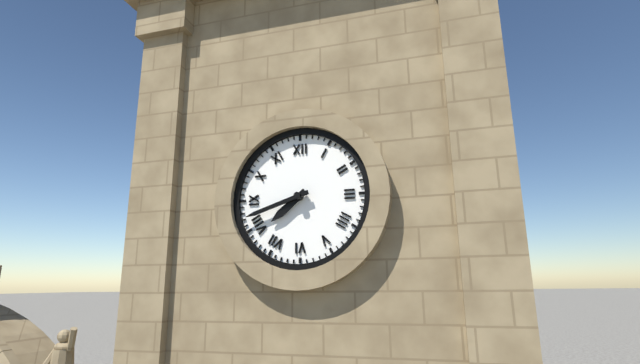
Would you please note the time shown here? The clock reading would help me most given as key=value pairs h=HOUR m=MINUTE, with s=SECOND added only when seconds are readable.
h=7 m=42
